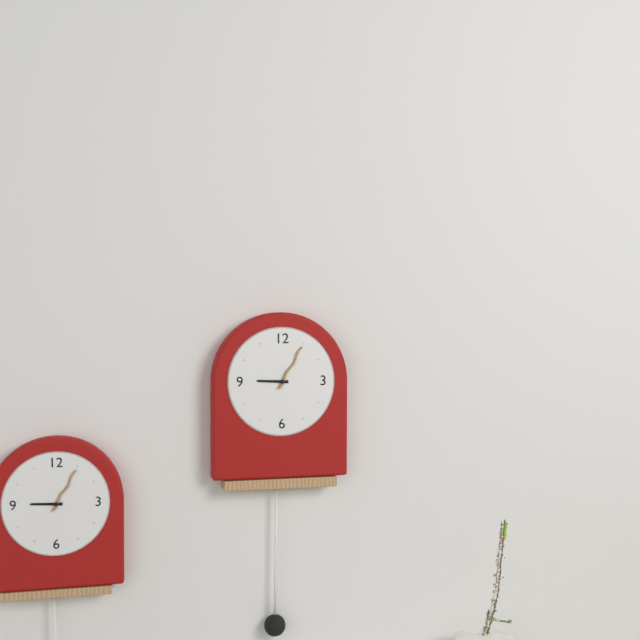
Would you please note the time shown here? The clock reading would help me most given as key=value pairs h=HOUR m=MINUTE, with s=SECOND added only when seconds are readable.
h=9 m=5
